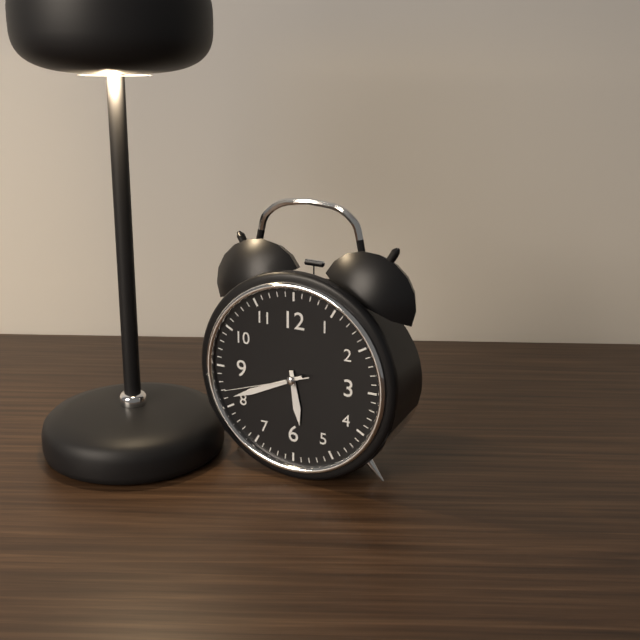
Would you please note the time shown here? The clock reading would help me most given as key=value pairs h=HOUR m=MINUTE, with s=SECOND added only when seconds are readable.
h=5 m=41 s=42
